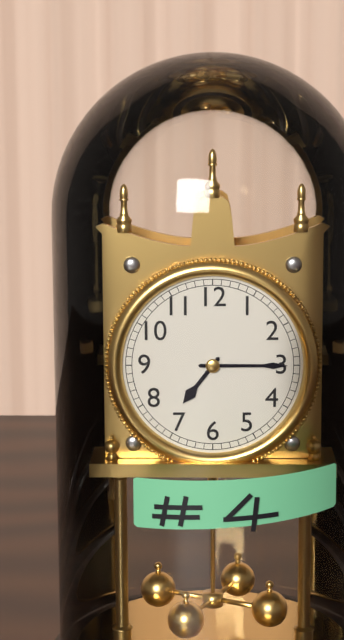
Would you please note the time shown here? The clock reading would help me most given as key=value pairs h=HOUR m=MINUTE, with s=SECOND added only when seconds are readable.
h=7 m=15
